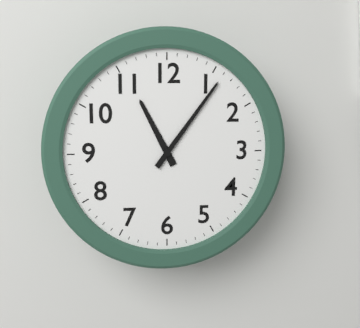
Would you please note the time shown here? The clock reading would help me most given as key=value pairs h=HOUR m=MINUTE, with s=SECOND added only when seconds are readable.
h=11 m=6
